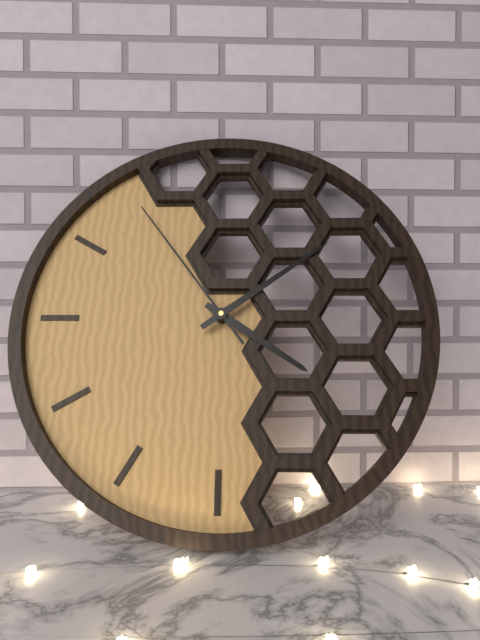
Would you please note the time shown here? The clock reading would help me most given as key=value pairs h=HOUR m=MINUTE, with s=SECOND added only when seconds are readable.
h=4 m=9 s=54
